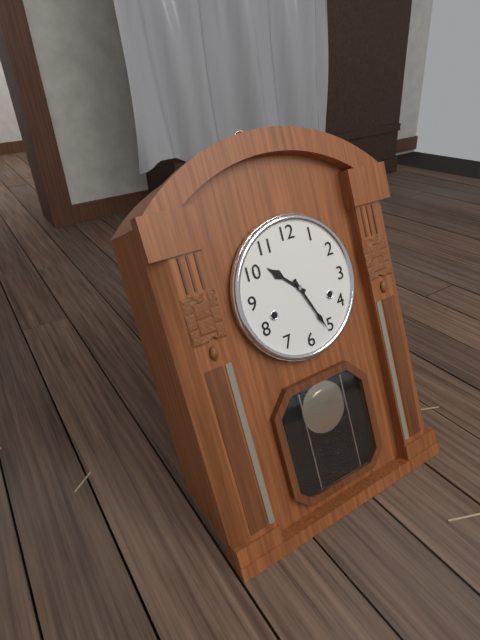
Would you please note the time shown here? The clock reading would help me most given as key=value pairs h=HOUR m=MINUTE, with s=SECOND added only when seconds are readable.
h=10 m=26
